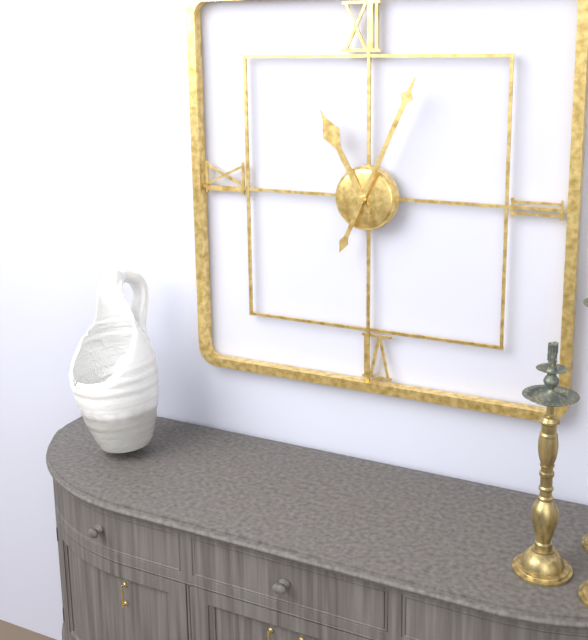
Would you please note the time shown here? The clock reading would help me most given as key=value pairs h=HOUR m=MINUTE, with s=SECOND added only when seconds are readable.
h=11 m=4
